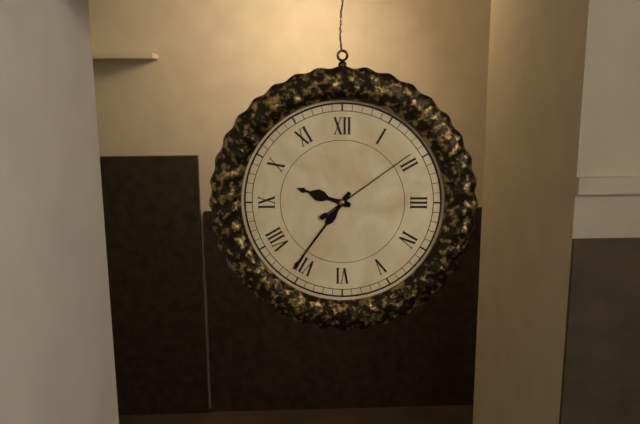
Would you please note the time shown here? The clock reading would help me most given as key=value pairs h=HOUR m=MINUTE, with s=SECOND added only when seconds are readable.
h=9 m=36 s=9
